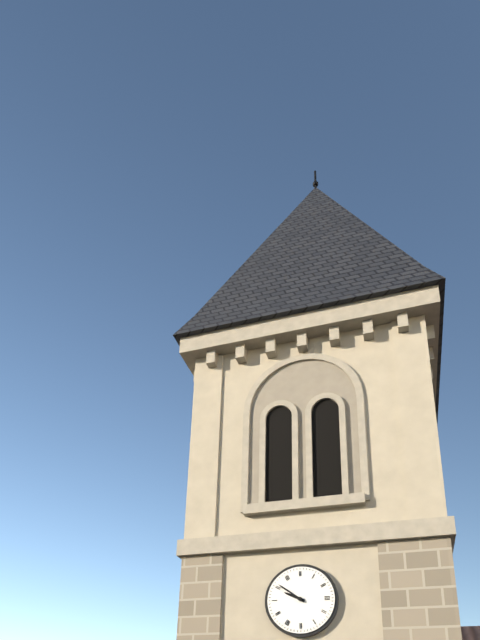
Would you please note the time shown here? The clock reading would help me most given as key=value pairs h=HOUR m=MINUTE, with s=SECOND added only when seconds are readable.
h=9 m=51
